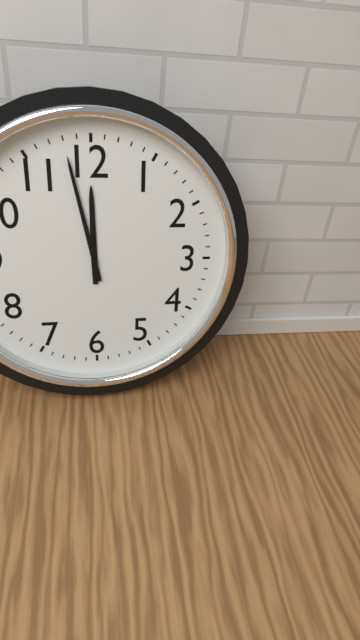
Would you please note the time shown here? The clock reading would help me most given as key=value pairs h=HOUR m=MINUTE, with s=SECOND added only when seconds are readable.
h=11 m=58
